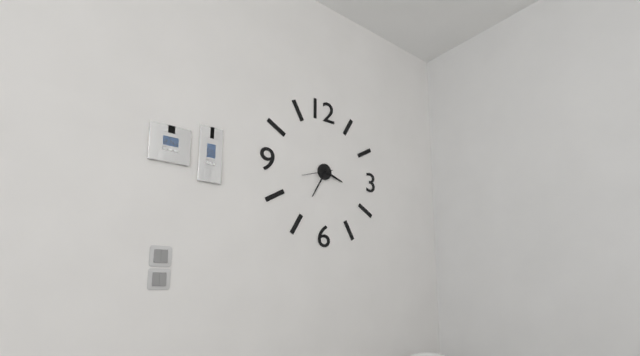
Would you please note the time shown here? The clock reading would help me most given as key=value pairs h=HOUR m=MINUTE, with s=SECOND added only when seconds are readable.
h=3 m=35
